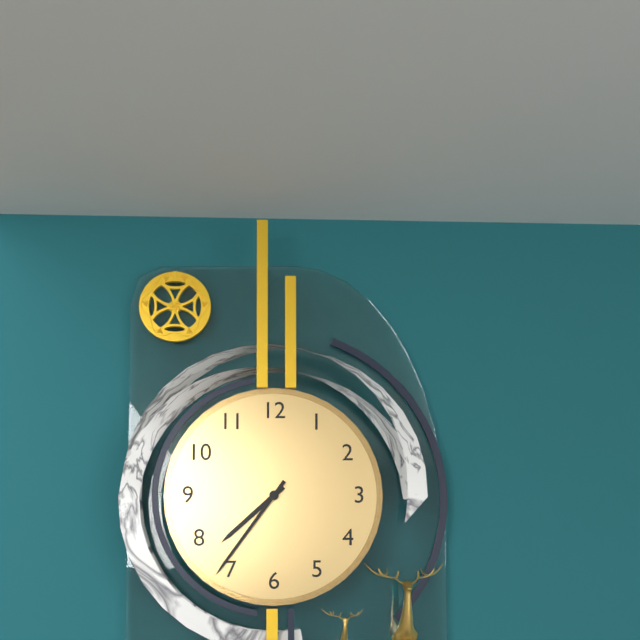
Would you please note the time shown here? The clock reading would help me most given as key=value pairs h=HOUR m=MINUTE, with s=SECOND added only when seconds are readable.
h=7 m=36
